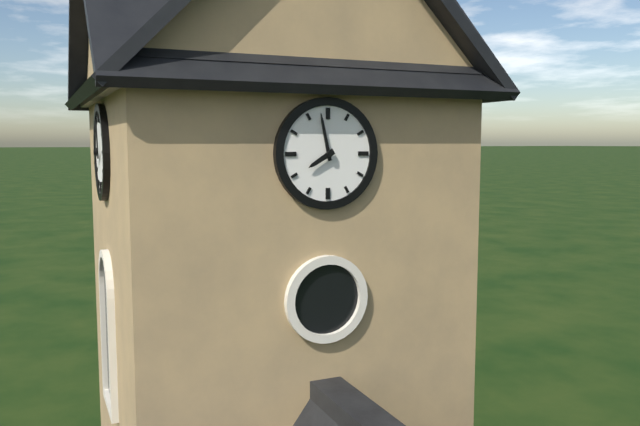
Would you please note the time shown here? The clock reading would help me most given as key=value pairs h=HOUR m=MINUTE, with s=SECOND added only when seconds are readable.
h=7 m=58
